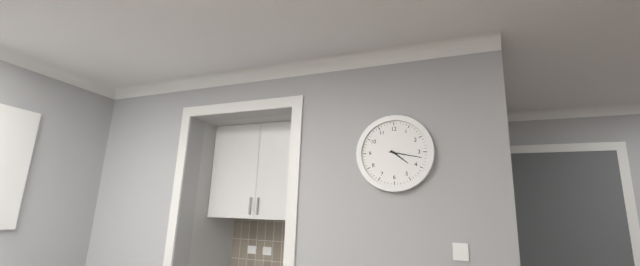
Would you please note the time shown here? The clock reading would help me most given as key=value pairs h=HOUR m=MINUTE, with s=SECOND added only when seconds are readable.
h=4 m=17
